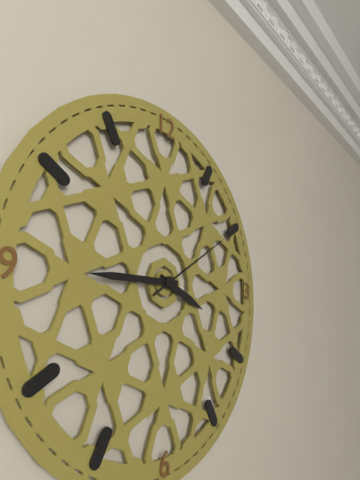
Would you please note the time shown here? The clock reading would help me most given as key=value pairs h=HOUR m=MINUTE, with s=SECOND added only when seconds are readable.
h=3 m=45 s=10
